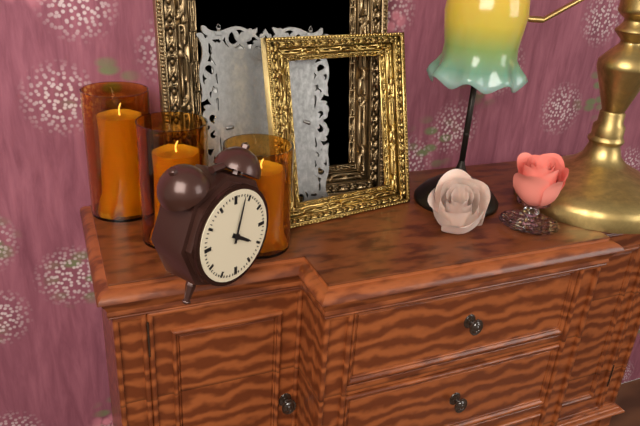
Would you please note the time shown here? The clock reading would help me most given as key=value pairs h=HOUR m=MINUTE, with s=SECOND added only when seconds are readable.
h=4 m=3
